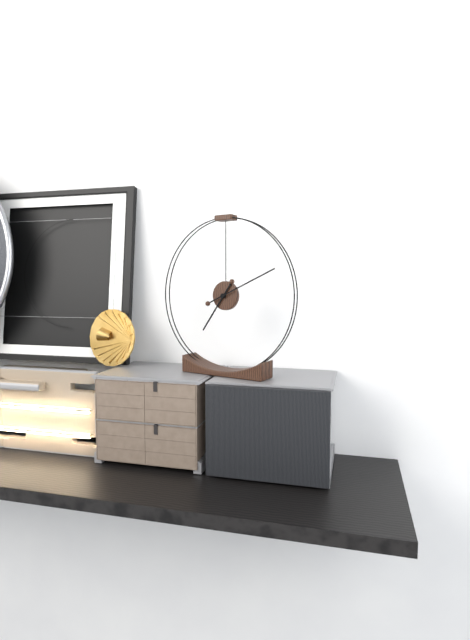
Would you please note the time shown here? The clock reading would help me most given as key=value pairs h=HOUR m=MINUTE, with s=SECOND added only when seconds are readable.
h=7 m=11
